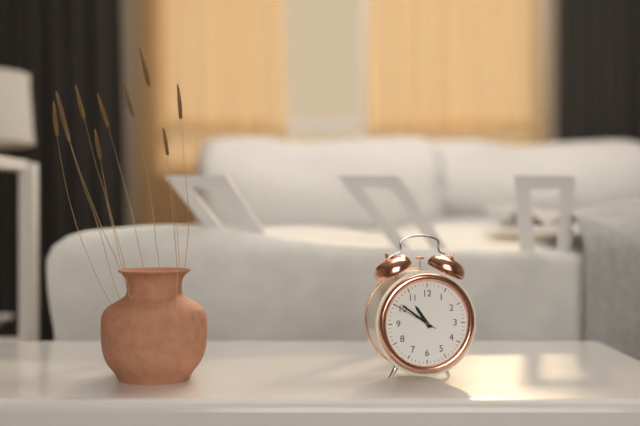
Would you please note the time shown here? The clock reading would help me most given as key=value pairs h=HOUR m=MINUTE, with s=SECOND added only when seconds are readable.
h=10 m=51
